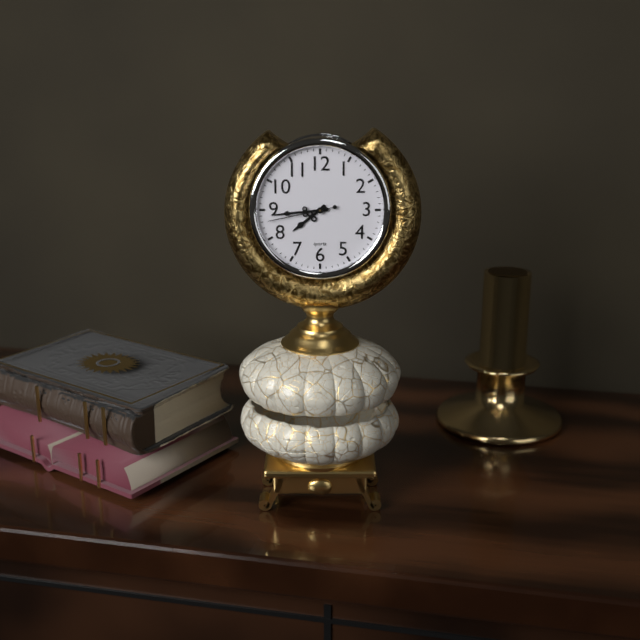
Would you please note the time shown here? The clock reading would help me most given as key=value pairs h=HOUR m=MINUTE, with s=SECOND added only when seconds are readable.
h=7 m=44 s=43
